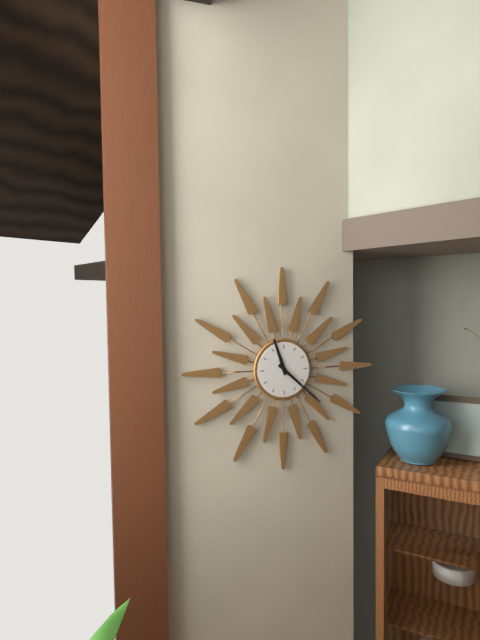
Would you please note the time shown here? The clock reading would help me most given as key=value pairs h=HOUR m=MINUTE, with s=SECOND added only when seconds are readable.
h=11 m=22
